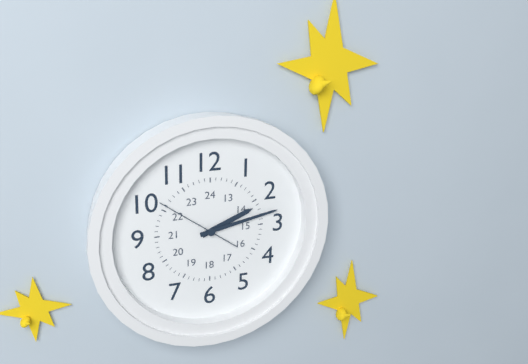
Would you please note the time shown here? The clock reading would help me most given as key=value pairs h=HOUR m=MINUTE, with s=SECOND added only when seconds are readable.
h=2 m=13 s=51
